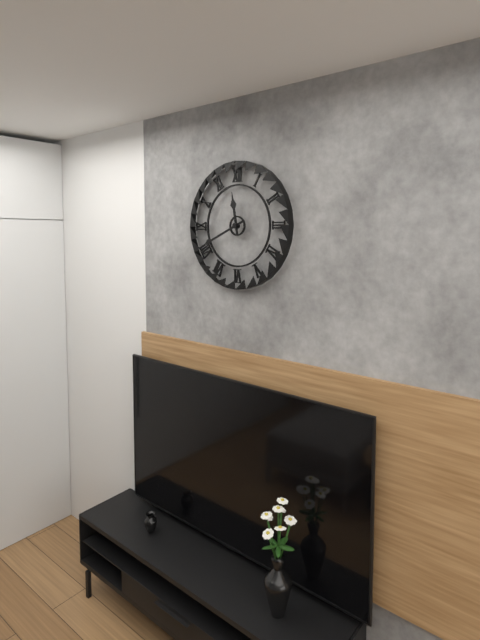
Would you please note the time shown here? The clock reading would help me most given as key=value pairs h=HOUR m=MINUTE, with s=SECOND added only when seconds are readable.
h=11 m=41
